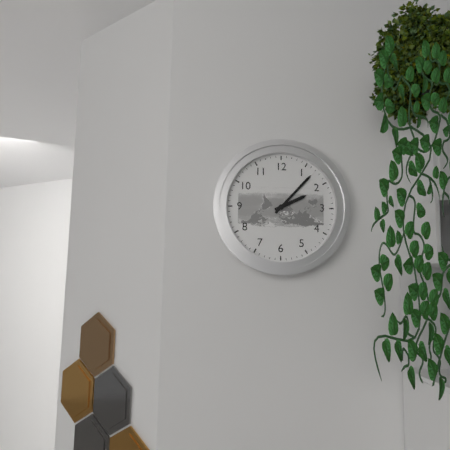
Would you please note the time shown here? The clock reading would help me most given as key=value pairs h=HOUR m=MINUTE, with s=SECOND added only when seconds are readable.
h=2 m=7
